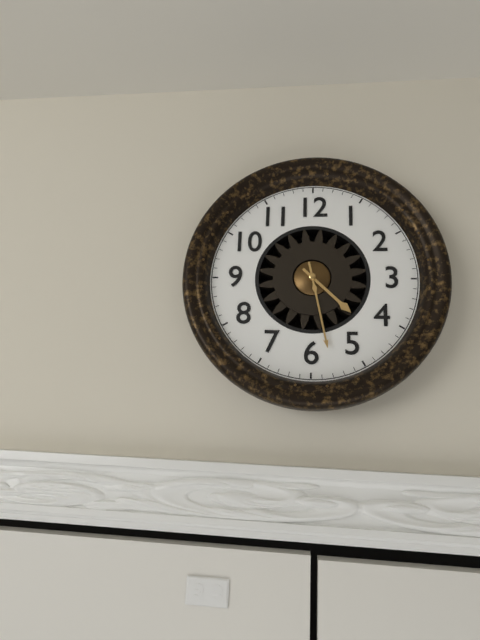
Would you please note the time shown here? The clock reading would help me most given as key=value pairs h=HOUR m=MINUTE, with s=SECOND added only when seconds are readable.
h=4 m=28
